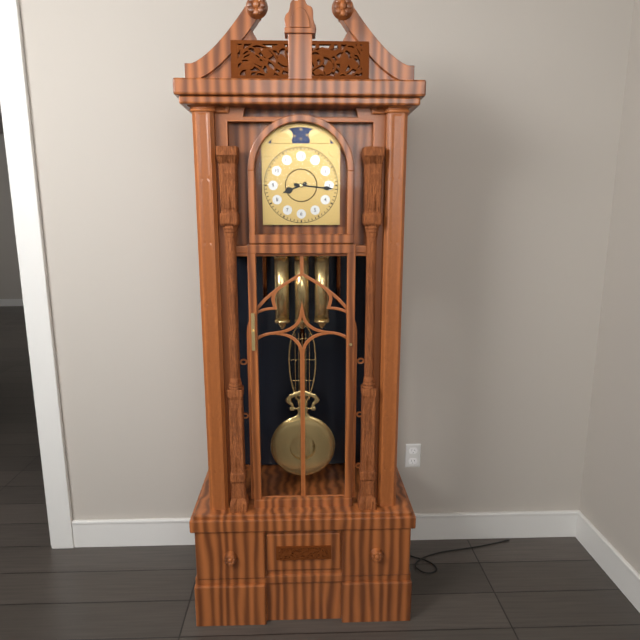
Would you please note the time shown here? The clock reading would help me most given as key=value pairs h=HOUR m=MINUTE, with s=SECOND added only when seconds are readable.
h=8 m=16
